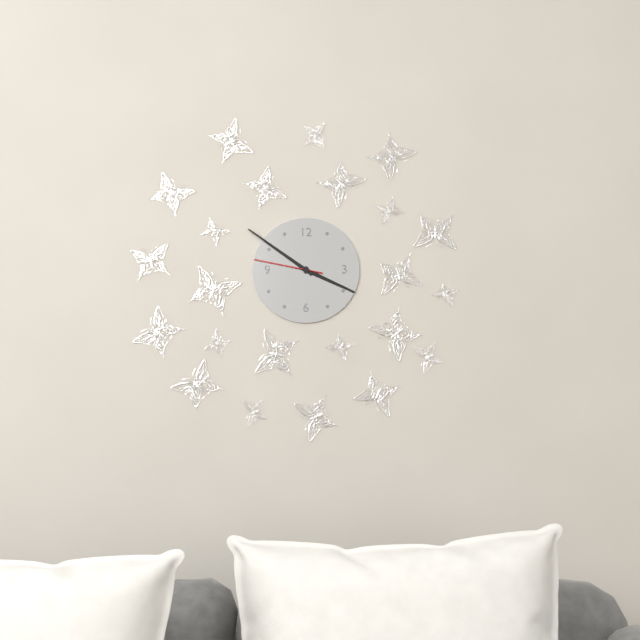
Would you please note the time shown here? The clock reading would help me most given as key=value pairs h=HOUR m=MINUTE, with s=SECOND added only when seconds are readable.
h=3 m=51 s=47
